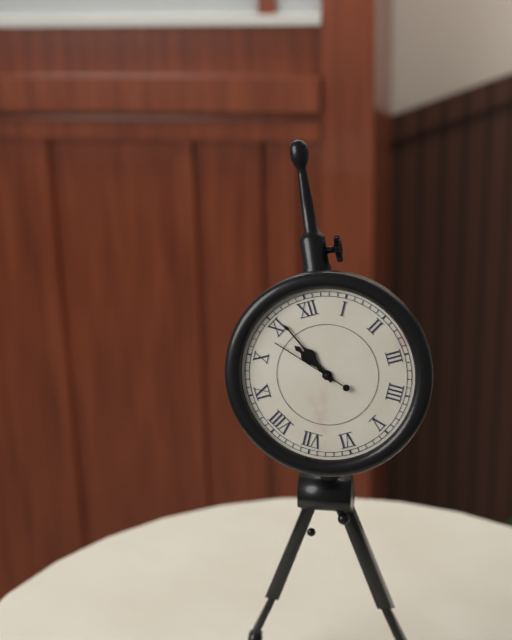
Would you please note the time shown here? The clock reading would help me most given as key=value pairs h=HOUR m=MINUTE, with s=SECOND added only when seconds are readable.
h=10 m=56 s=53
